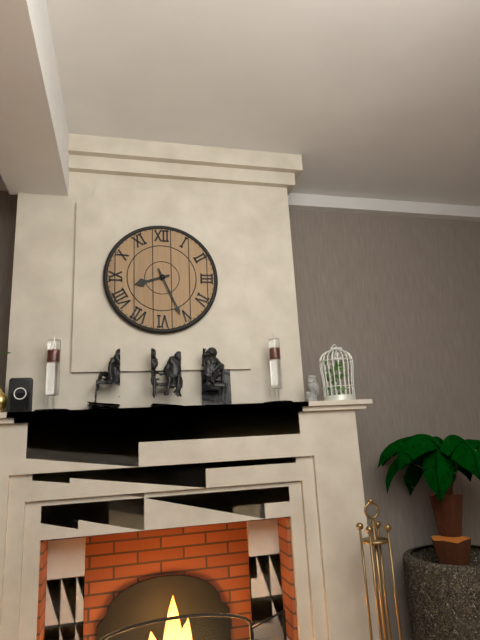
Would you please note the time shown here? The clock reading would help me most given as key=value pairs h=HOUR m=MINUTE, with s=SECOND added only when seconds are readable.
h=8 m=26
